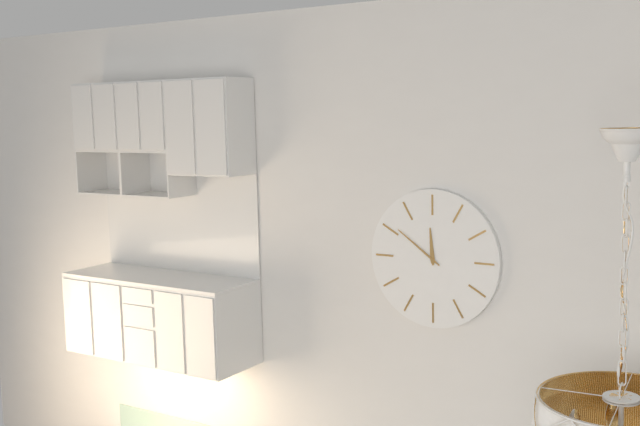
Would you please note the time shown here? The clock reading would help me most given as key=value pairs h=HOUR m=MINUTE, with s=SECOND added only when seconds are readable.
h=11 m=51
